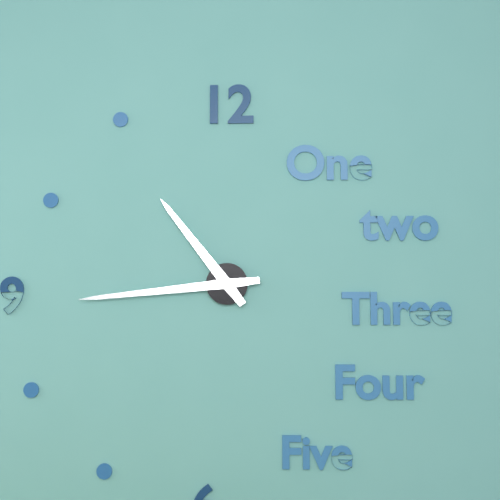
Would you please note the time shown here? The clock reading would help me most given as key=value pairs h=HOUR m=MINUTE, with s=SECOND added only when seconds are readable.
h=10 m=44
